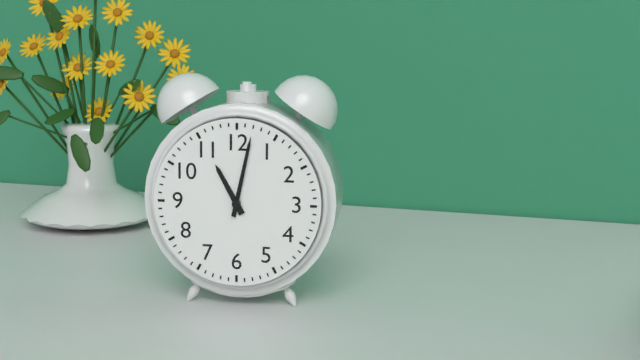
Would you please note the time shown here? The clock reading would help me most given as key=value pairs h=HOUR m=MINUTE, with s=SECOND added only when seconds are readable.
h=11 m=2
